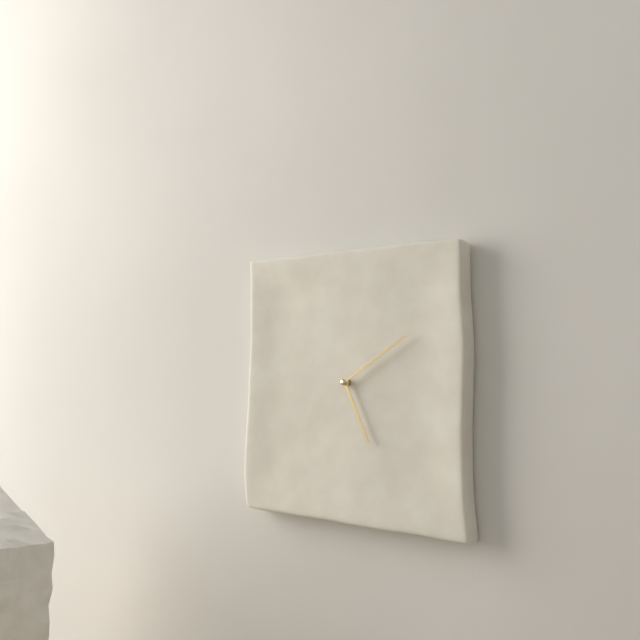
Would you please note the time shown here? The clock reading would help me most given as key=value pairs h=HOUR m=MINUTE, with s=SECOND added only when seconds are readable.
h=5 m=10
